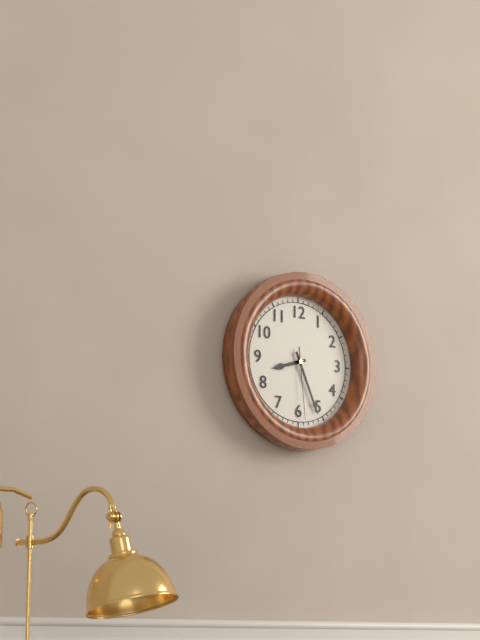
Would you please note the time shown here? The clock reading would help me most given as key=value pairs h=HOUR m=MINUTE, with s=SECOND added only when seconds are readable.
h=8 m=26 s=29
